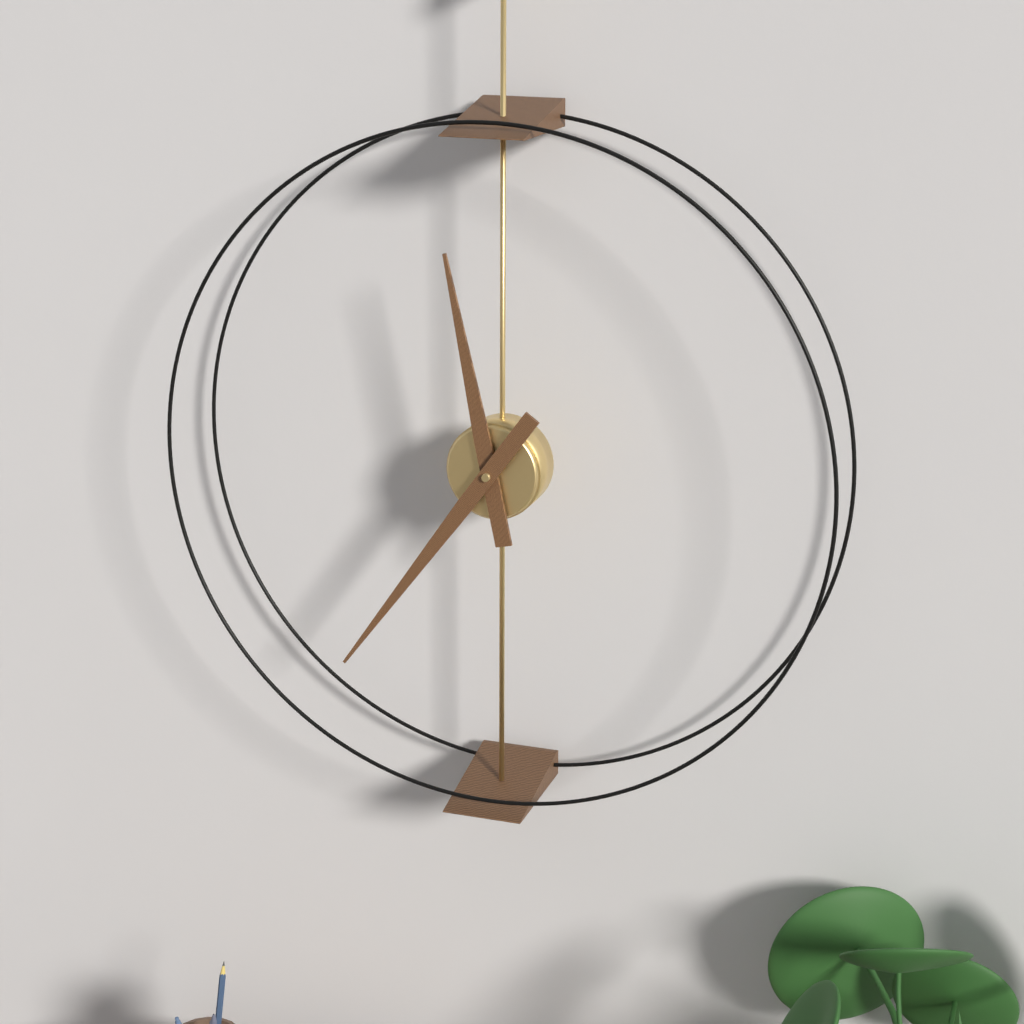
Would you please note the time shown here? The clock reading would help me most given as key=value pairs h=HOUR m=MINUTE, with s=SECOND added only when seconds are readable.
h=11 m=36
